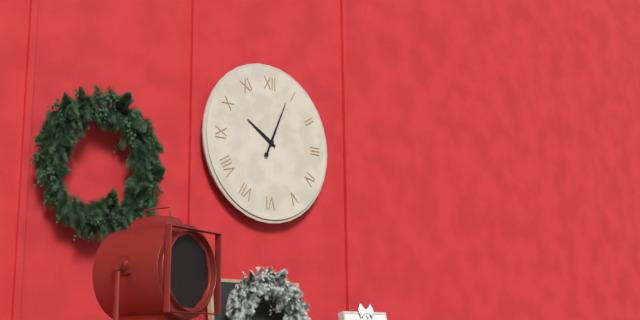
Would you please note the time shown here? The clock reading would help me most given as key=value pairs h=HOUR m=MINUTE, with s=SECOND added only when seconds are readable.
h=10 m=4
